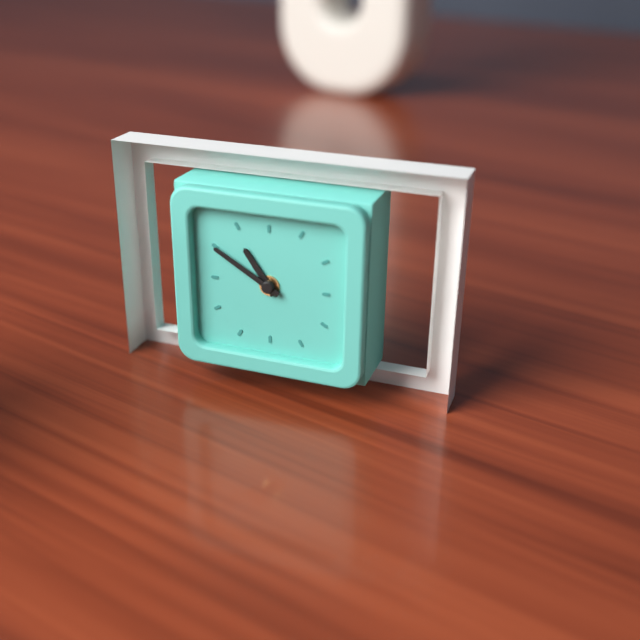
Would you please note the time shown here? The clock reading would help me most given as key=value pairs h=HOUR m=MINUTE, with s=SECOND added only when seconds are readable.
h=10 m=50
